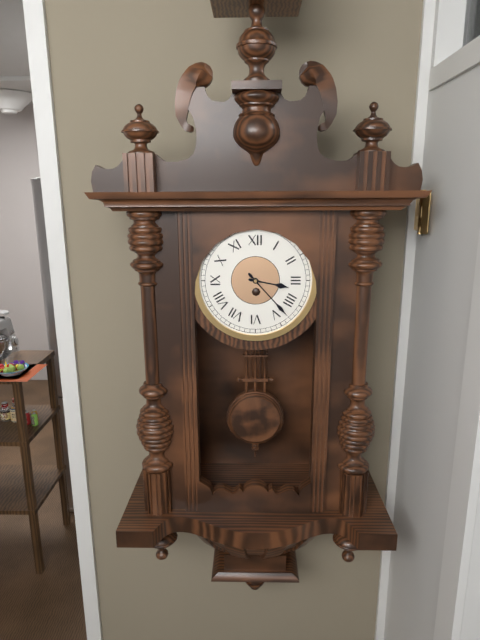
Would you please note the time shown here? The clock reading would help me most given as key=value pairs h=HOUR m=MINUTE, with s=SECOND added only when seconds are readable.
h=3 m=23
